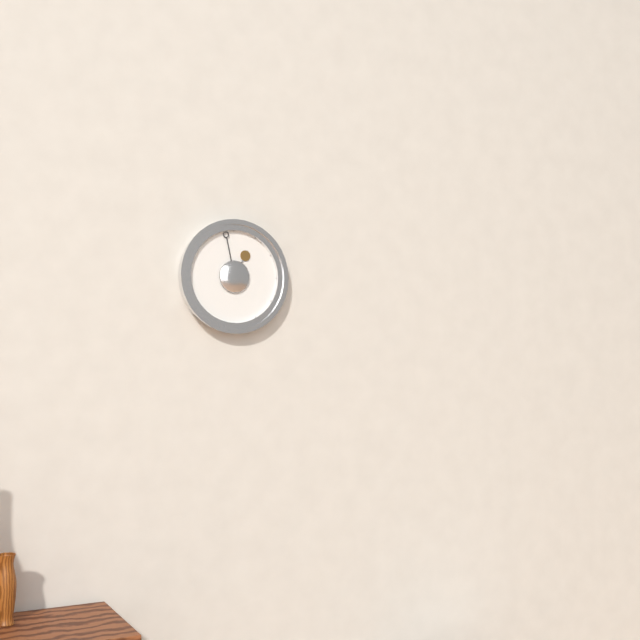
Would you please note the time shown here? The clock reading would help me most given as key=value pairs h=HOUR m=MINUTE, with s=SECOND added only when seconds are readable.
h=12 m=58
